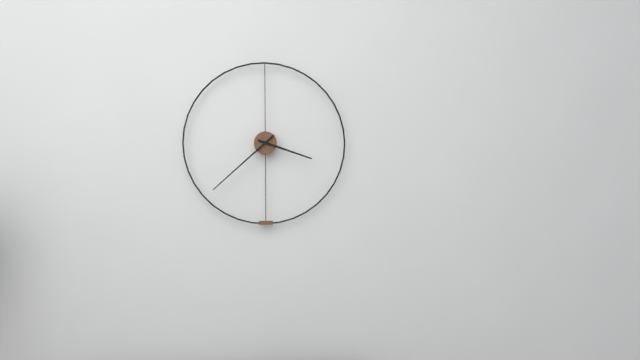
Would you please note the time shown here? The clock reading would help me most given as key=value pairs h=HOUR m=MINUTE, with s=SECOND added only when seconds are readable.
h=3 m=38
